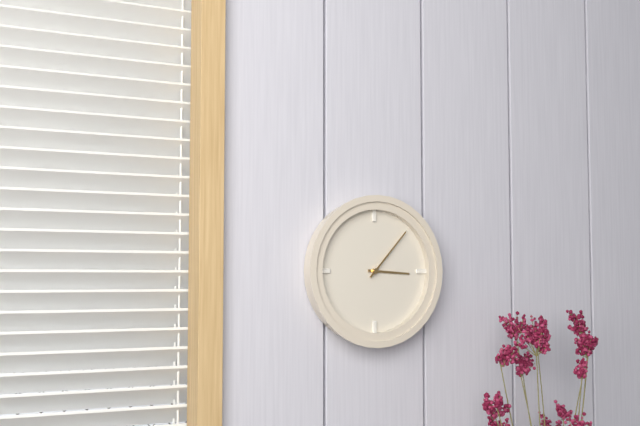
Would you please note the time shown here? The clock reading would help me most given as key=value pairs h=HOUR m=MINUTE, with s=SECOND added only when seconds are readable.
h=3 m=7
